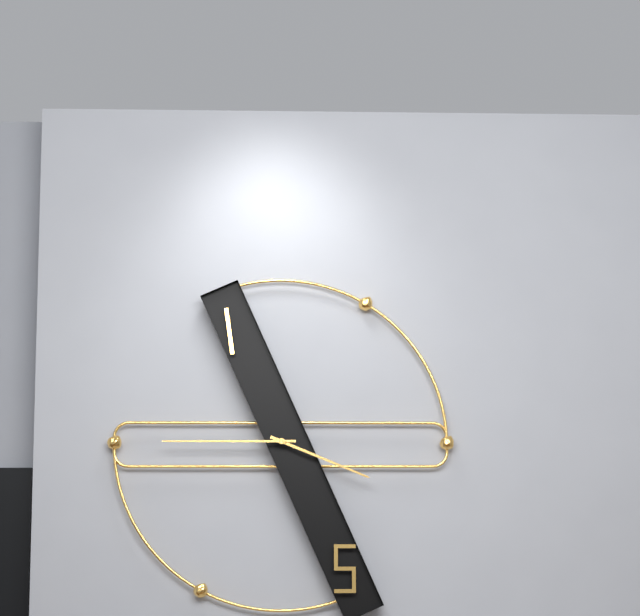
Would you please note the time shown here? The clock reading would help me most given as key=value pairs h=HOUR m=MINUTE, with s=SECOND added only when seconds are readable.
h=3 m=45
